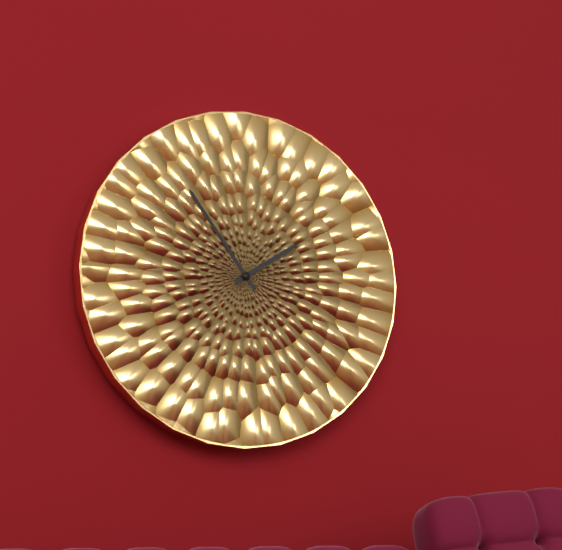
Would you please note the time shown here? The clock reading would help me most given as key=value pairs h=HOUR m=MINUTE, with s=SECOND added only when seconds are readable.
h=1 m=54
